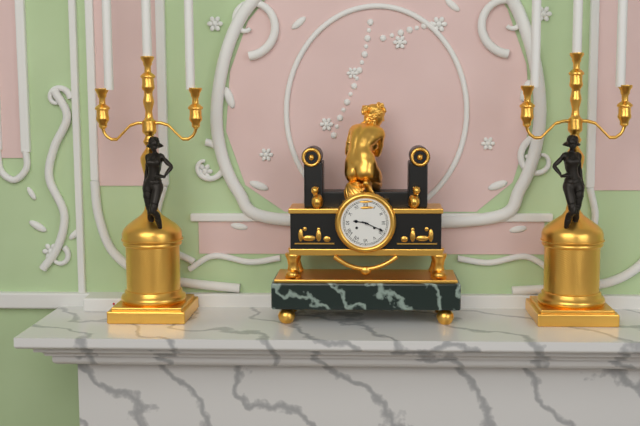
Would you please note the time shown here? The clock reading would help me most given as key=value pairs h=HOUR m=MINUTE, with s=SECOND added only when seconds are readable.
h=9 m=19
